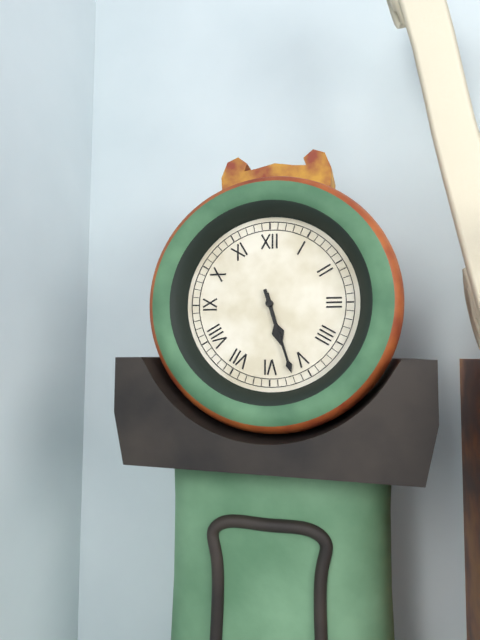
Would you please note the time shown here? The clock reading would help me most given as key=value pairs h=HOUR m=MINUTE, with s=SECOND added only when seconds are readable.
h=5 m=27
